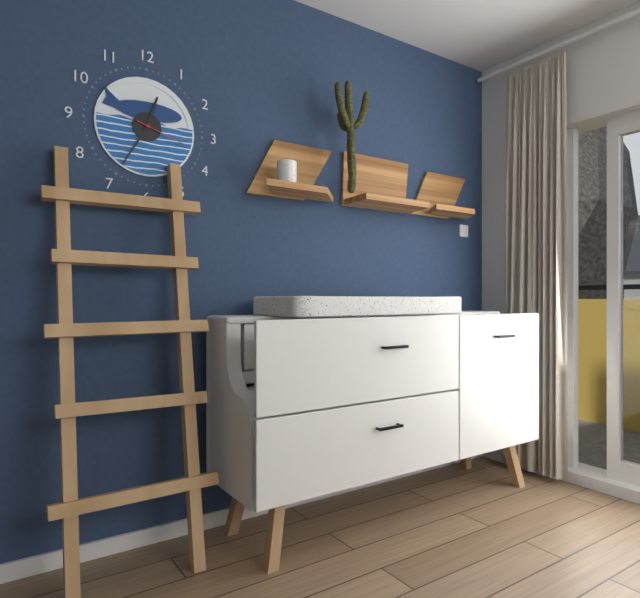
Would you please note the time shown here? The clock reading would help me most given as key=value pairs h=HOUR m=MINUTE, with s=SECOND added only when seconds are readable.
h=12 m=35 s=18
